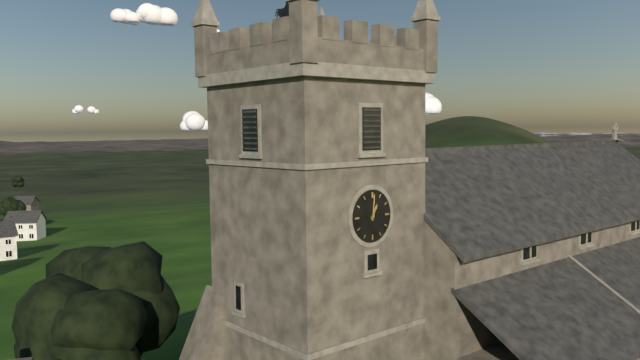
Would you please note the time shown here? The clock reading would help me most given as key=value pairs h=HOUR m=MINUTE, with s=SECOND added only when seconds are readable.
h=1 m=1
